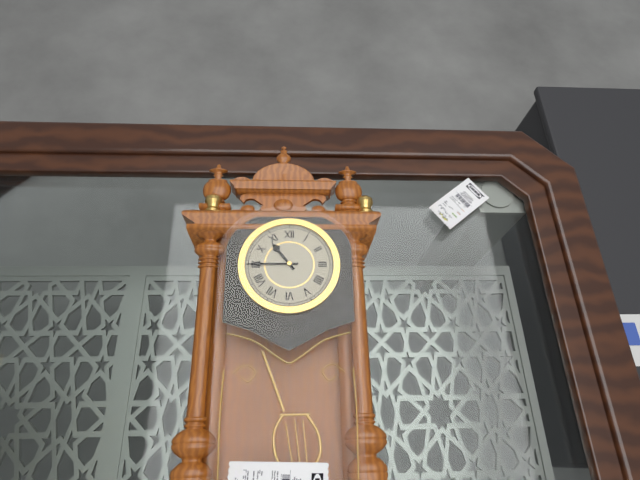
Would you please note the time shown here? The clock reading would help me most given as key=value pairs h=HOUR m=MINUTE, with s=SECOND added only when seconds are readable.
h=10 m=45
